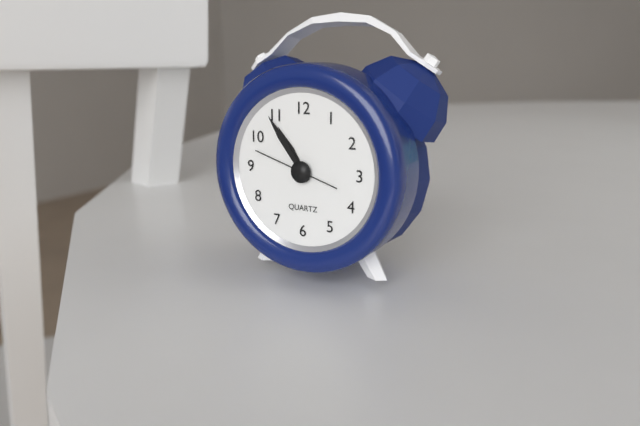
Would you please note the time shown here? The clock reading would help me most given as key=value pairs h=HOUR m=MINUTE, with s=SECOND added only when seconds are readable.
h=10 m=54 s=48
